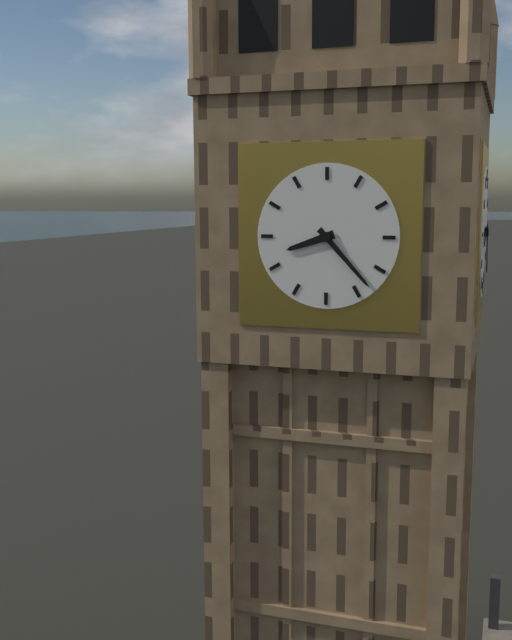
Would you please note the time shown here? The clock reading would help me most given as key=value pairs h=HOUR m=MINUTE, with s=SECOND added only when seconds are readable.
h=8 m=23
